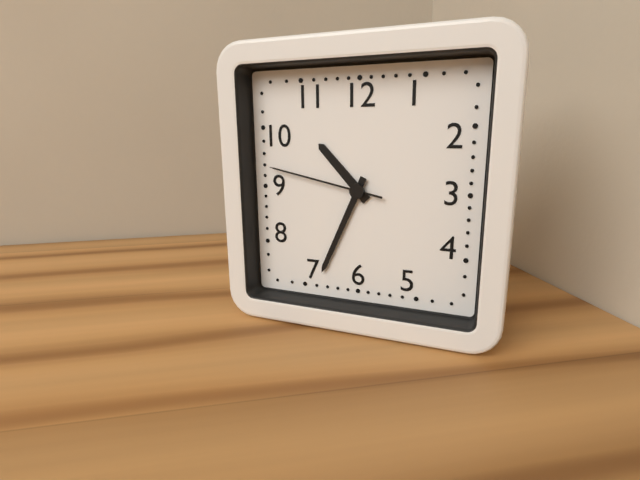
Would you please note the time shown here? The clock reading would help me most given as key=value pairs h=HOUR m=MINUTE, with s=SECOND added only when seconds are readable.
h=10 m=34 s=47
